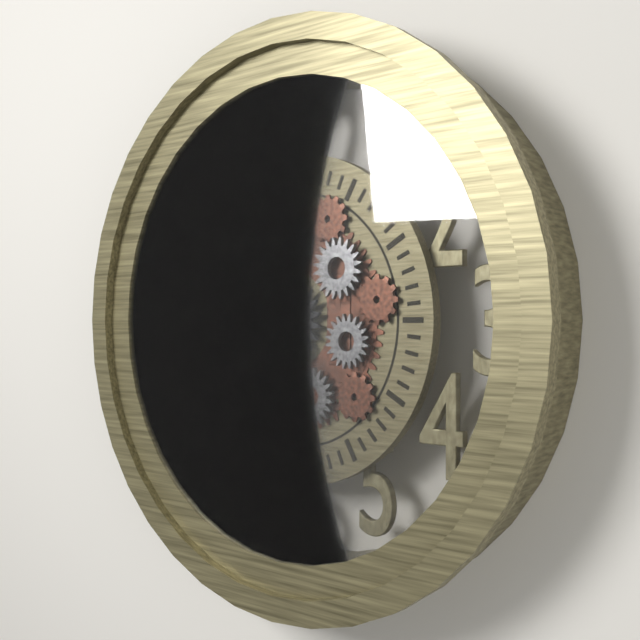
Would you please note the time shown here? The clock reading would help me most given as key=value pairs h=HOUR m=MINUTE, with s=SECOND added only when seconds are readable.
h=7 m=55
